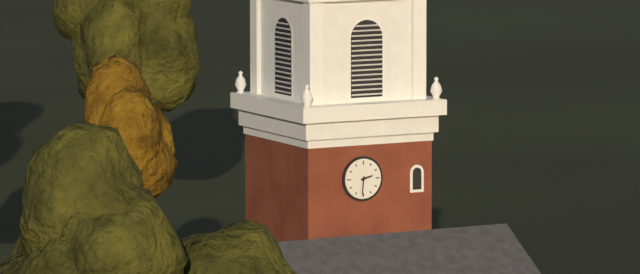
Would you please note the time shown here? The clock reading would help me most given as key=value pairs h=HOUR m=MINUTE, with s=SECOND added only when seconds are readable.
h=2 m=31
